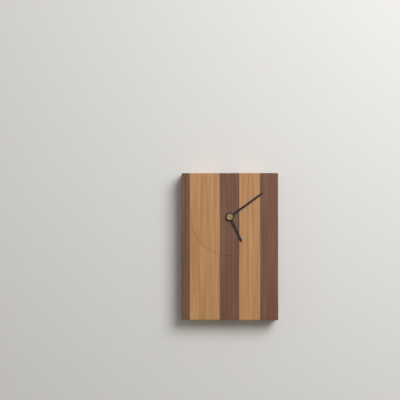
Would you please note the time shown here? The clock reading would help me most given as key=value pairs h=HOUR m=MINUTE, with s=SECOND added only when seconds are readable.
h=5 m=9
